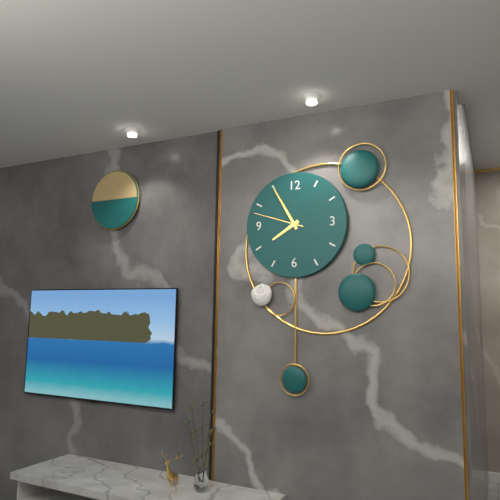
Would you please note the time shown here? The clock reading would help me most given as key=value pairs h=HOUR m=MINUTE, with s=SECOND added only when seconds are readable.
h=7 m=55 s=48
